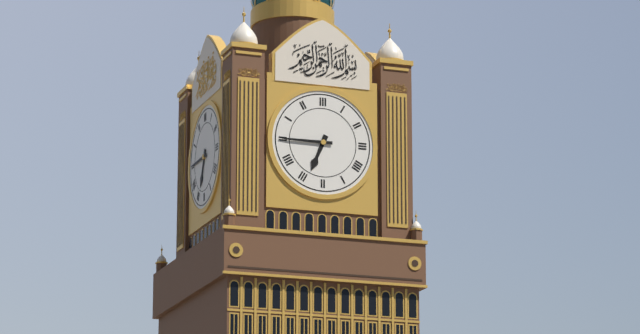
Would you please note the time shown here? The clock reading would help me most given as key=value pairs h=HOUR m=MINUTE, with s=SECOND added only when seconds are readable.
h=6 m=45
